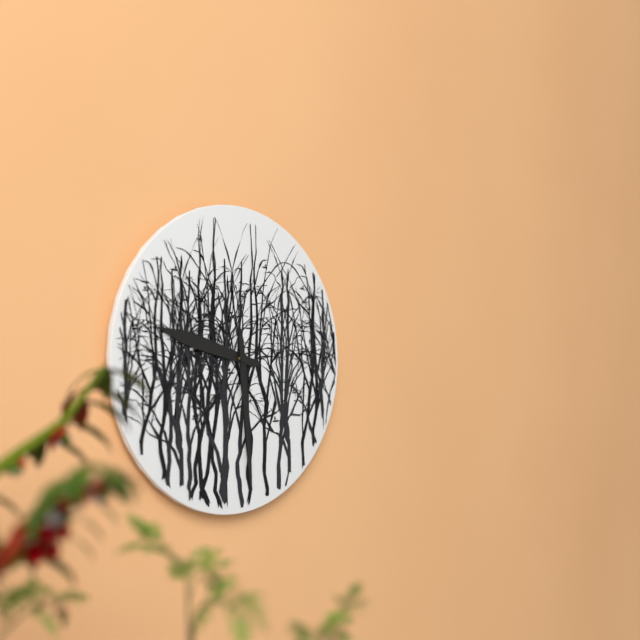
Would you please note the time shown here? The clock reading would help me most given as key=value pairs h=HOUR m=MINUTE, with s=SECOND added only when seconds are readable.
h=9 m=29
